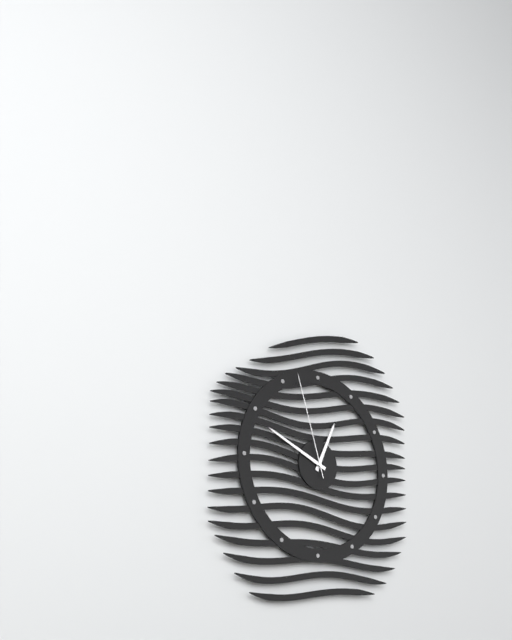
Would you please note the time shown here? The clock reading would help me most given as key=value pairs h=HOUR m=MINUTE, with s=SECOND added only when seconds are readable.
h=12 m=49 s=57
